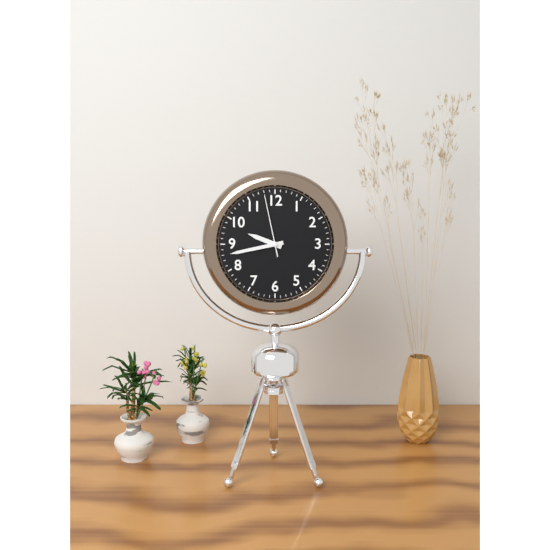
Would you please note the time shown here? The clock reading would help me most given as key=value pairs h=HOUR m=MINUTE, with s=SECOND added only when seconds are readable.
h=9 m=43 s=58
